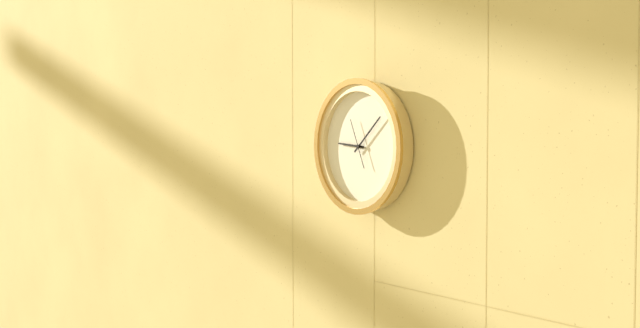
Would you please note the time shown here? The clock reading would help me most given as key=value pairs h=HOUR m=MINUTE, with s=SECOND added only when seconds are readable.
h=9 m=8
